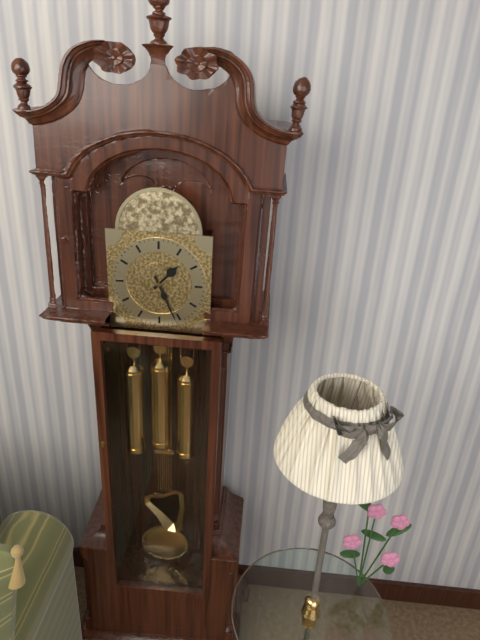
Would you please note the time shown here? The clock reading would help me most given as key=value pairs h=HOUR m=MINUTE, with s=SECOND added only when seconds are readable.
h=1 m=26
